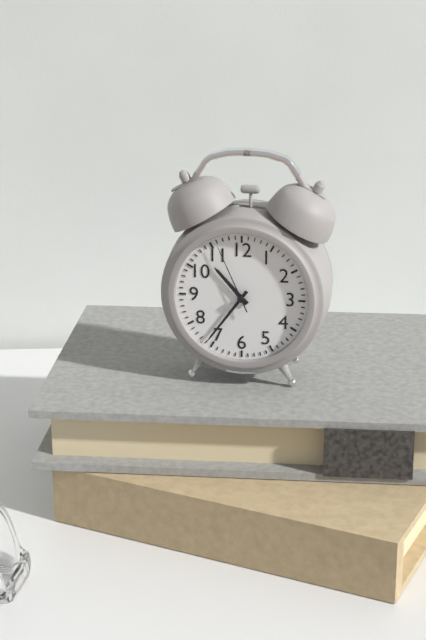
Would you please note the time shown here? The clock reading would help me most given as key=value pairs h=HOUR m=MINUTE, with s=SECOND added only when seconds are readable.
h=10 m=36 s=56
